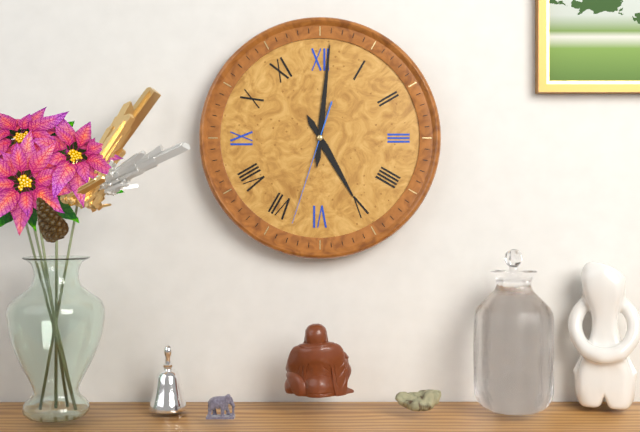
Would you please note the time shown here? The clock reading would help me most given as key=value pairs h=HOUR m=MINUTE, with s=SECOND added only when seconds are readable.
h=5 m=1 s=33
